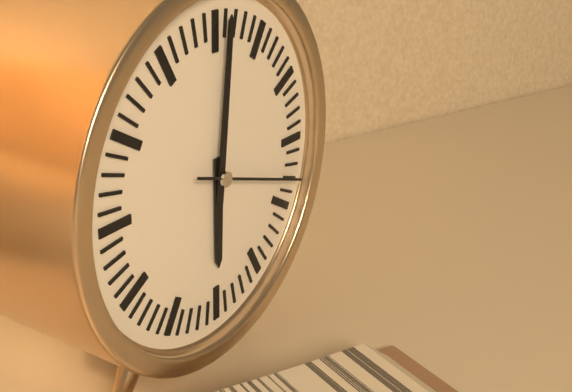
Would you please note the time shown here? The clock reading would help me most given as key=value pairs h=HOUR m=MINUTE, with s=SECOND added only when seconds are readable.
h=6 m=1 s=18
